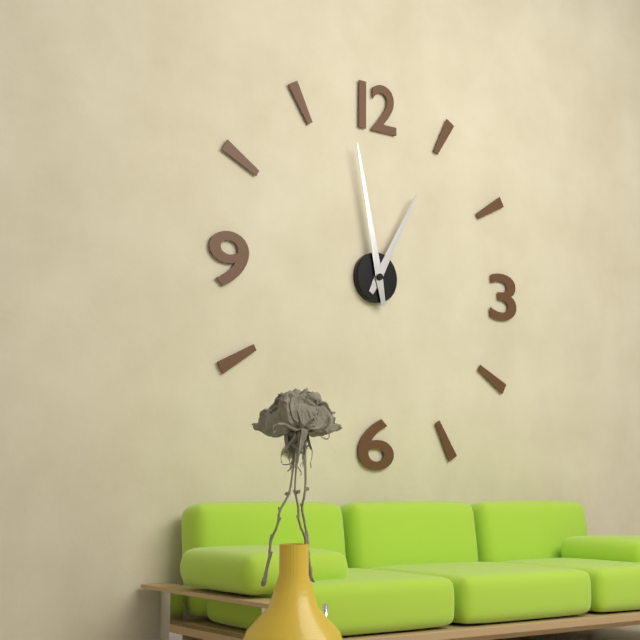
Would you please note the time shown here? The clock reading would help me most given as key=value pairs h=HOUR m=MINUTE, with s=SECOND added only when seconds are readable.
h=12 m=58
